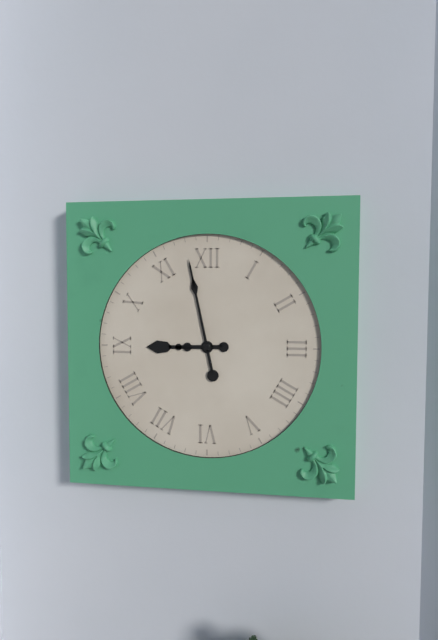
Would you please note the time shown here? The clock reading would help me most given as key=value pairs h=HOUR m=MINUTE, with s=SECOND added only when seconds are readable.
h=8 m=58
